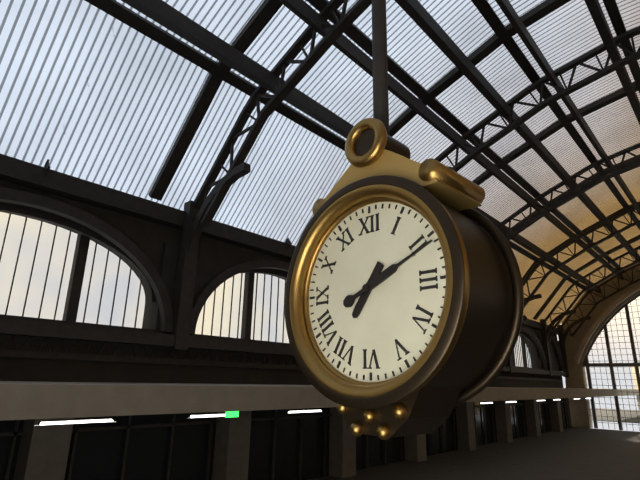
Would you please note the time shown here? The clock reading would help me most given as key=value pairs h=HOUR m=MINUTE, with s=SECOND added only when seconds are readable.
h=7 m=11
